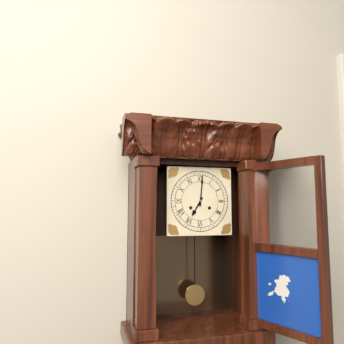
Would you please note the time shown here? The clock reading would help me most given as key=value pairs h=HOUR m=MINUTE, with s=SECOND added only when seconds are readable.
h=7 m=1
